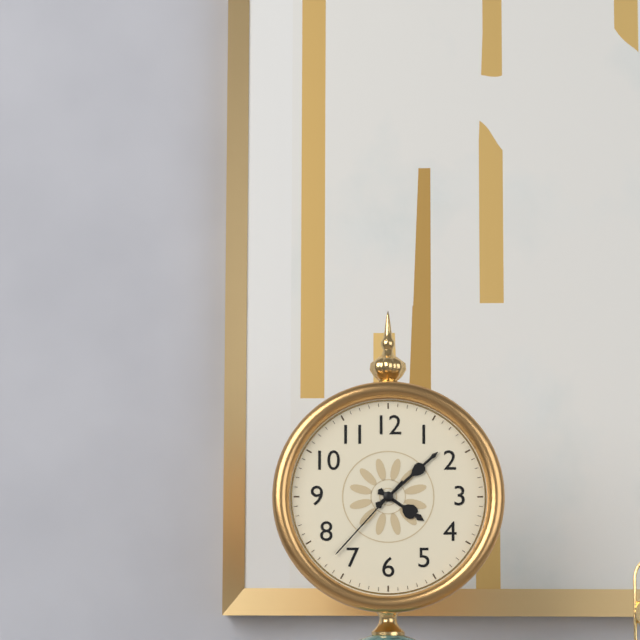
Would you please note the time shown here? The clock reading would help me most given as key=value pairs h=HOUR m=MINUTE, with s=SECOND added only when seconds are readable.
h=4 m=8 s=37
